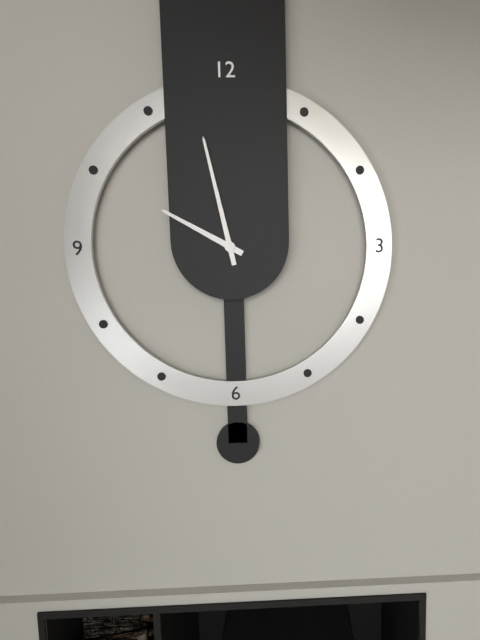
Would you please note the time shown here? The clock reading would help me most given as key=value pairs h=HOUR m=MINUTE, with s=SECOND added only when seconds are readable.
h=9 m=58
